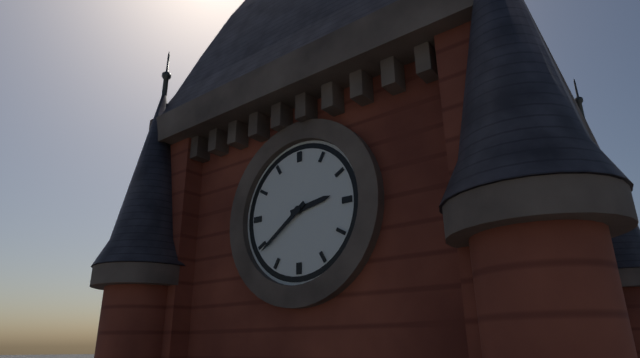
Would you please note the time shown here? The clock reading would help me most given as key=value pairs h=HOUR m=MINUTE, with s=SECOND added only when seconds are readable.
h=2 m=39
